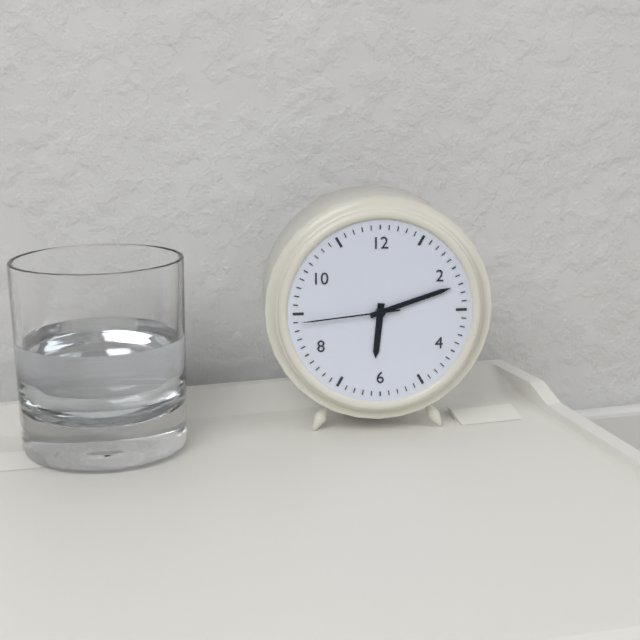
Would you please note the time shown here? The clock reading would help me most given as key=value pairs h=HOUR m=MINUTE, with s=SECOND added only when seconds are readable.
h=6 m=12 s=44
